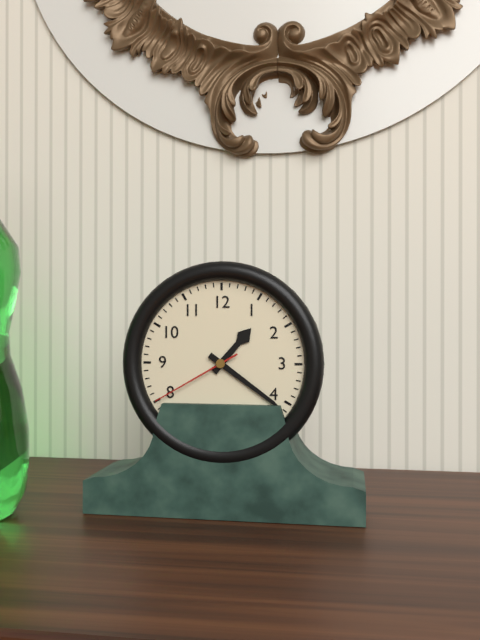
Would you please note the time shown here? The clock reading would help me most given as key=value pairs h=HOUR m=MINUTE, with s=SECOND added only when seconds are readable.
h=1 m=21 s=40
